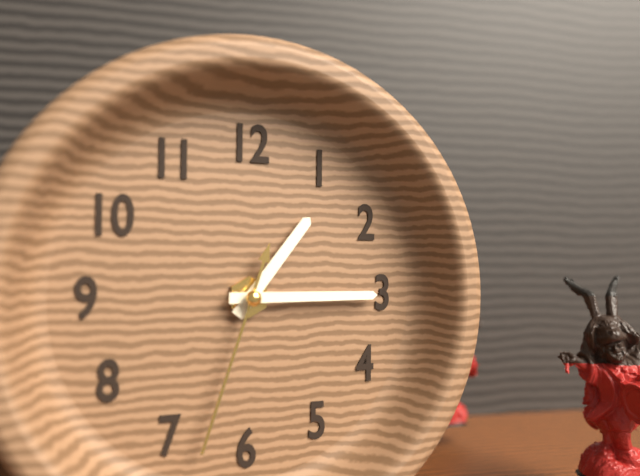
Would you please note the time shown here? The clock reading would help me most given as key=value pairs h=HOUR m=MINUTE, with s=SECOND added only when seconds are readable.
h=1 m=15 s=33
